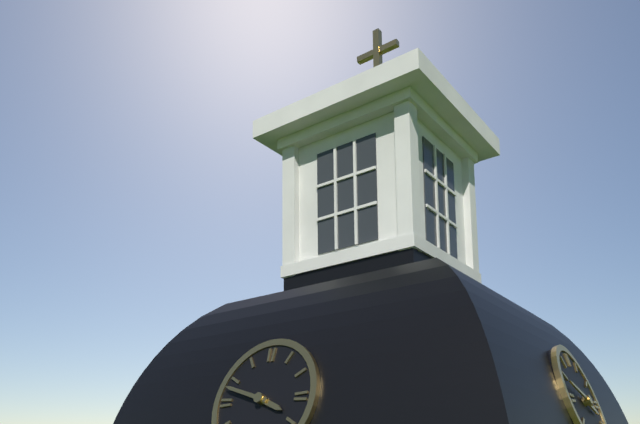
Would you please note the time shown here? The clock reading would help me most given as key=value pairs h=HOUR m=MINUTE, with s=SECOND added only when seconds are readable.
h=3 m=48
